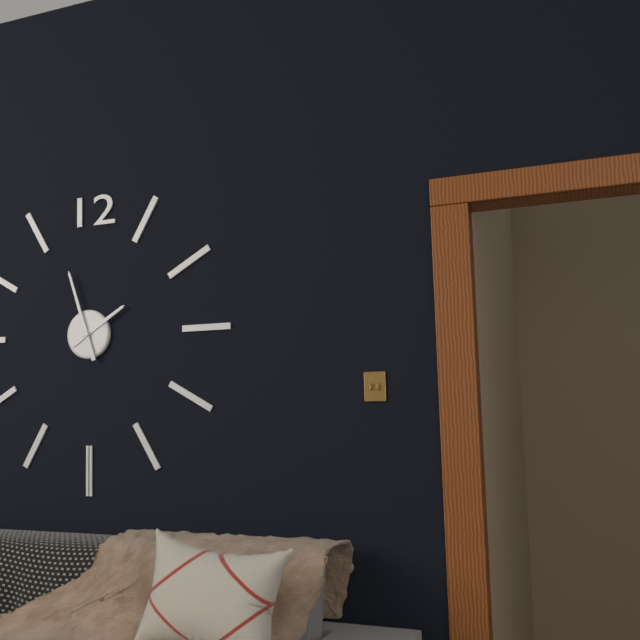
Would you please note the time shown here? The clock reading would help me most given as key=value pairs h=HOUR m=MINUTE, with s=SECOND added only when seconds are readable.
h=1 m=57
